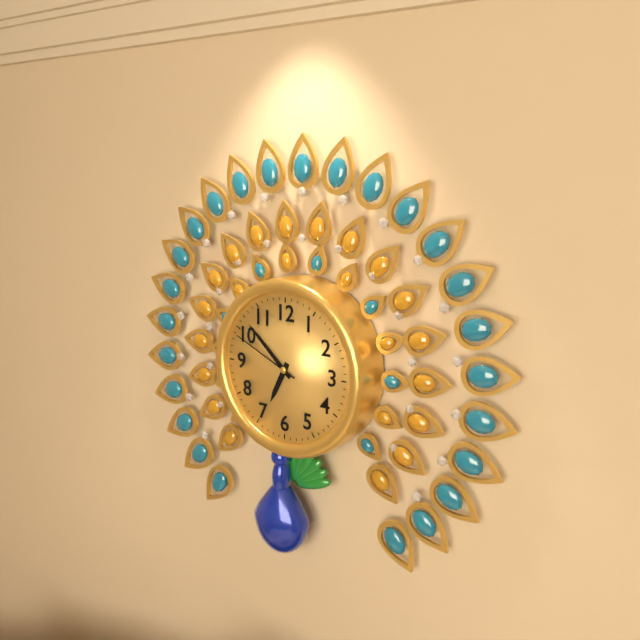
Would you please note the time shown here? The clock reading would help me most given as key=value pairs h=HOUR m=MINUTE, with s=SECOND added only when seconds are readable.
h=6 m=52 s=49
